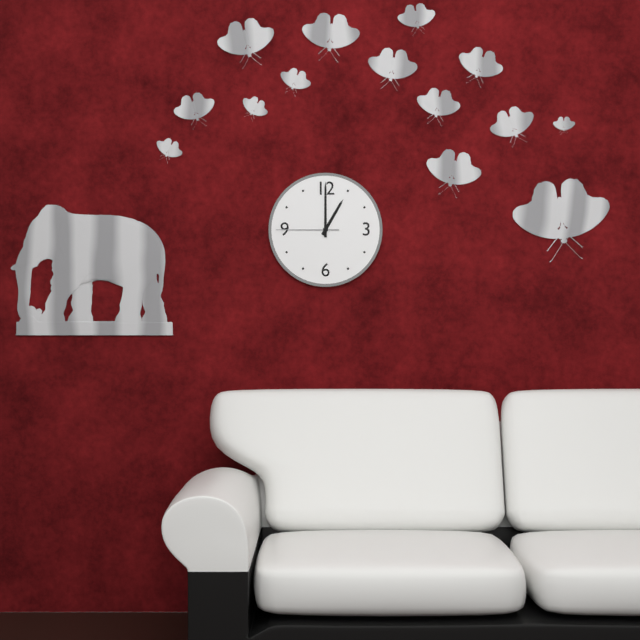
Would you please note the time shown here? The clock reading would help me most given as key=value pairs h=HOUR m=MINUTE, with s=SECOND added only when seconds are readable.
h=1 m=0 s=45
